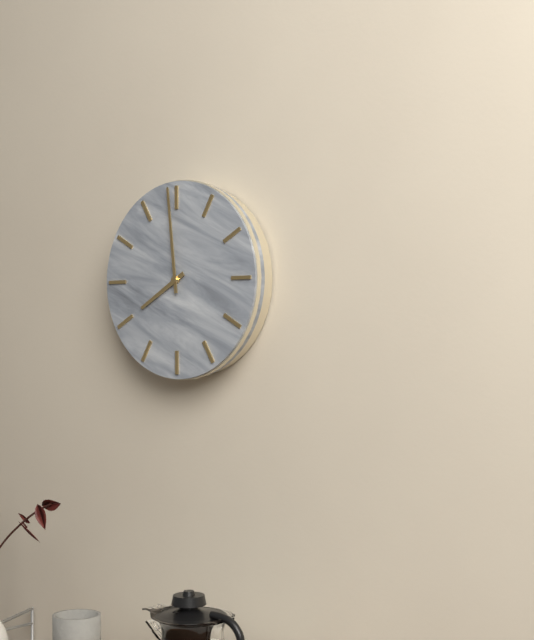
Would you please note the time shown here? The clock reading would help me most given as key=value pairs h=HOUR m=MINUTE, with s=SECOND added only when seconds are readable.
h=7 m=59
